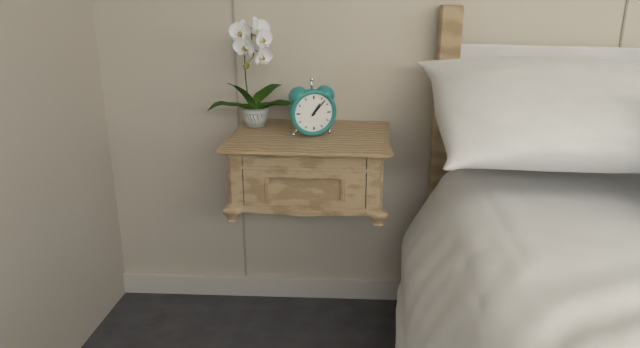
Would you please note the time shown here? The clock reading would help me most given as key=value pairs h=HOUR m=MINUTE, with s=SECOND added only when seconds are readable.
h=1 m=7
